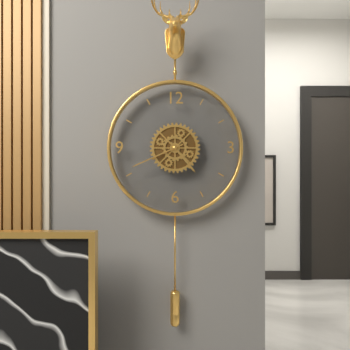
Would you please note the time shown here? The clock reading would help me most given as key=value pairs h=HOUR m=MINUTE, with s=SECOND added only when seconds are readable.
h=4 m=41
